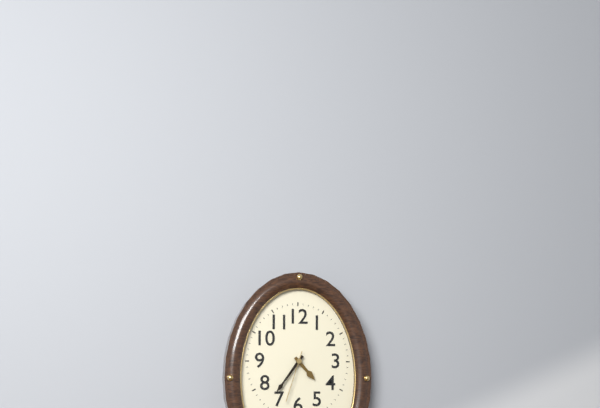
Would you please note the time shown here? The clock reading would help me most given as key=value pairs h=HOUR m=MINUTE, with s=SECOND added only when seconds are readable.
h=4 m=36 s=33
